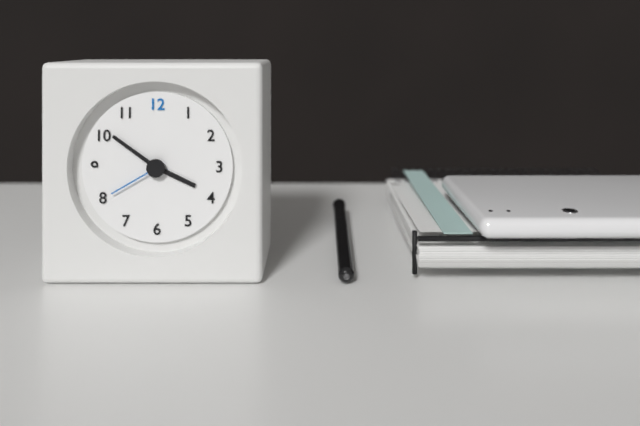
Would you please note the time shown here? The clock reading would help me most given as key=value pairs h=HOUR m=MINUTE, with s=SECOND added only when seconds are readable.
h=3 m=51 s=40
